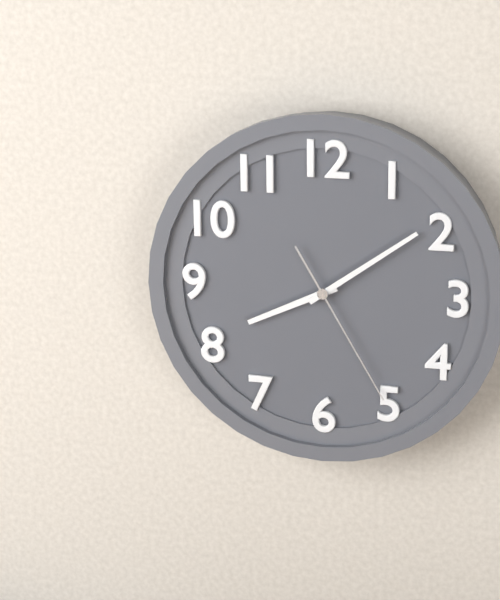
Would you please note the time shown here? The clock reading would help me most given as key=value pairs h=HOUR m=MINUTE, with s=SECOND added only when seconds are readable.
h=8 m=9 s=25
